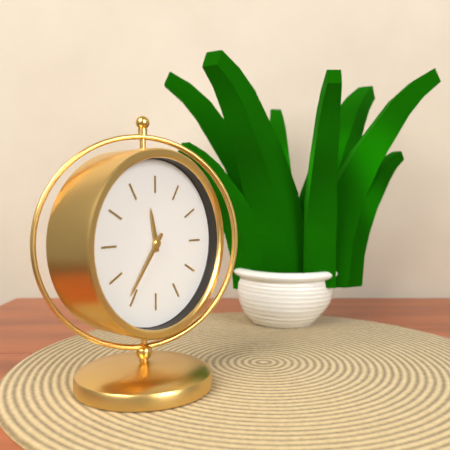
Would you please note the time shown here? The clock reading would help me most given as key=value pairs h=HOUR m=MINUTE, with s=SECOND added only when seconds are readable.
h=11 m=36
